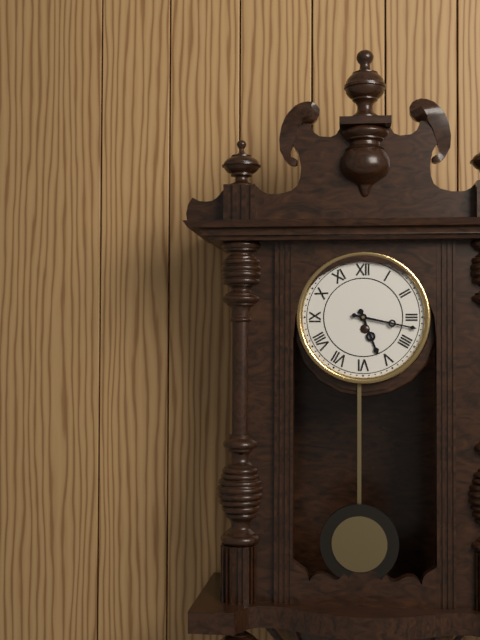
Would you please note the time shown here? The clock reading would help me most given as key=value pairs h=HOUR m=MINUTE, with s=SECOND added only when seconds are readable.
h=5 m=17
